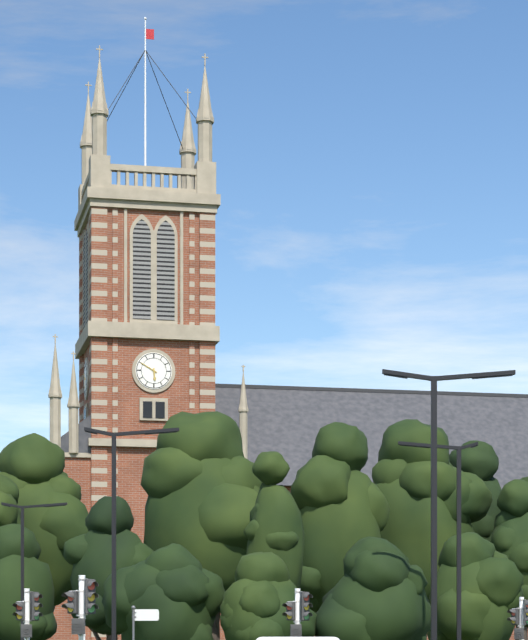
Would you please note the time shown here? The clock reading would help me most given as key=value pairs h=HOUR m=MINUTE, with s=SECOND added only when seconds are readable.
h=5 m=50
